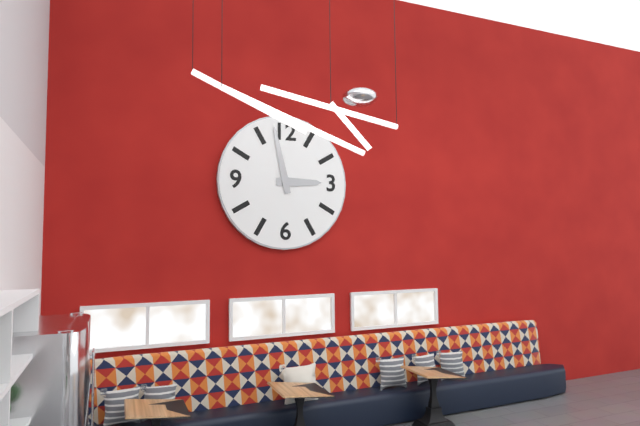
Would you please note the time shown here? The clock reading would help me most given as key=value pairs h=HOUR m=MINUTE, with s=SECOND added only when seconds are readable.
h=2 m=58
